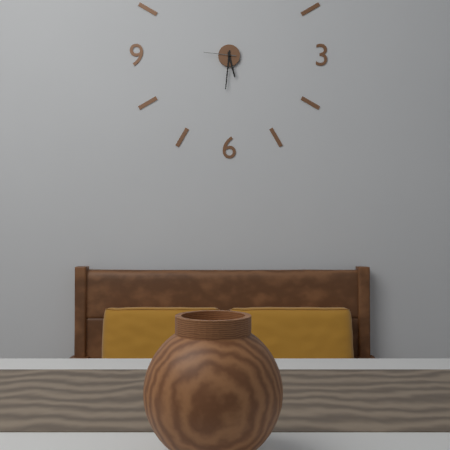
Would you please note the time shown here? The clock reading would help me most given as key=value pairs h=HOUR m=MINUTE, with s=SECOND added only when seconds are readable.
h=5 m=31
